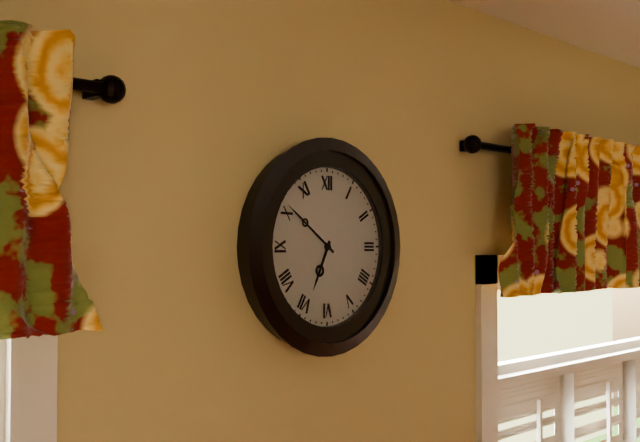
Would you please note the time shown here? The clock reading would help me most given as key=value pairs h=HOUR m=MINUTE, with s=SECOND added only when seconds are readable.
h=6 m=51
